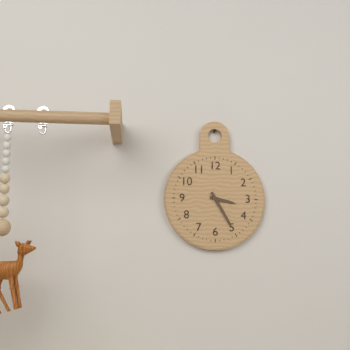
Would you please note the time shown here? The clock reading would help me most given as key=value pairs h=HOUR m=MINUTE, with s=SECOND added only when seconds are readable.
h=3 m=25
